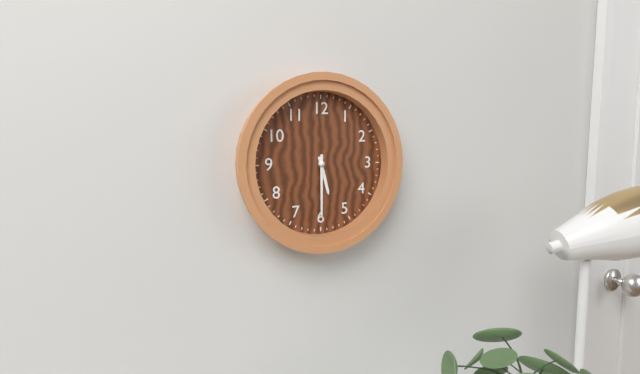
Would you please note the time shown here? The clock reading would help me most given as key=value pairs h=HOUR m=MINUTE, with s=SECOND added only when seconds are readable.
h=5 m=30
